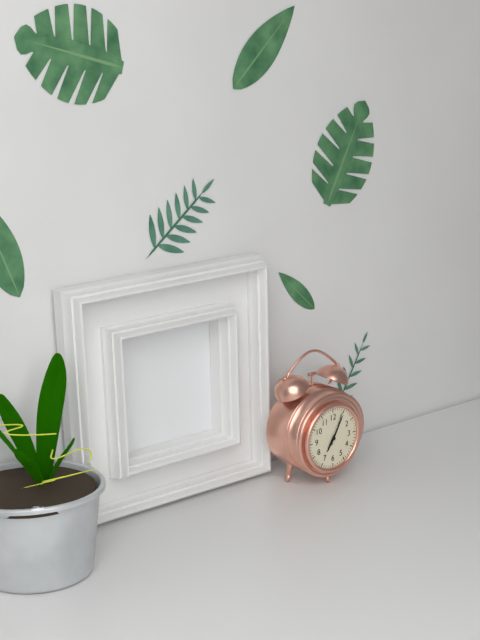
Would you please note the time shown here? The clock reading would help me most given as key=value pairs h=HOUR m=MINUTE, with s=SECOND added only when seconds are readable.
h=7 m=5
